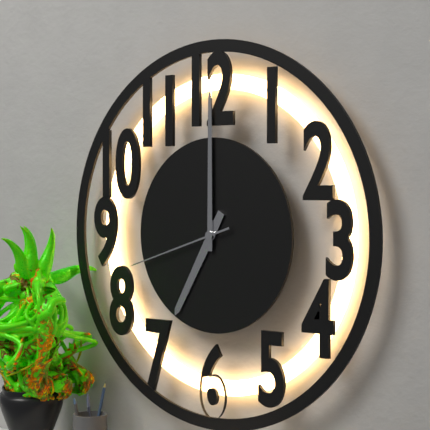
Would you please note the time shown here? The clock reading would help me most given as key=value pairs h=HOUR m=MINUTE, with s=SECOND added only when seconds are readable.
h=7 m=0 s=42
